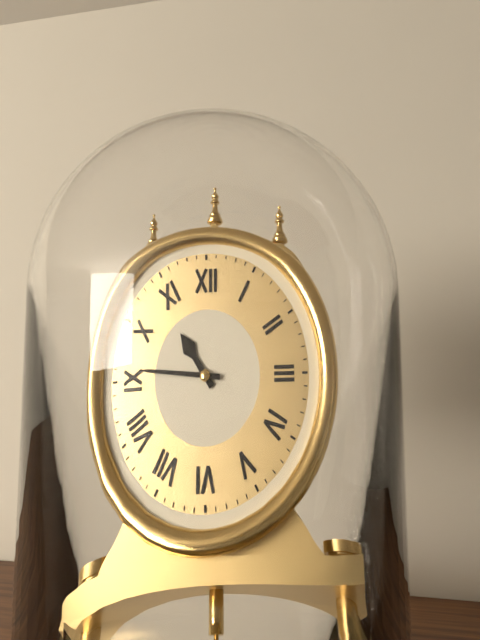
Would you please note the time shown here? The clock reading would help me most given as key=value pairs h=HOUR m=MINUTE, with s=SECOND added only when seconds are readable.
h=10 m=46
